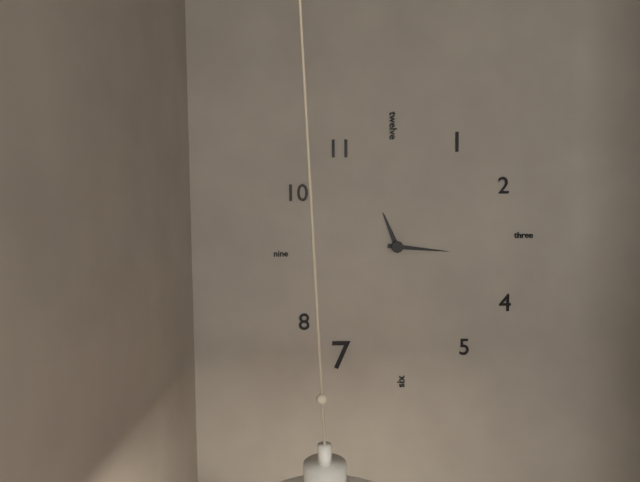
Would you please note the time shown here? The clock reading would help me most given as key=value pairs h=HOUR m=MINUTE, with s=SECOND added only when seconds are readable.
h=11 m=16
